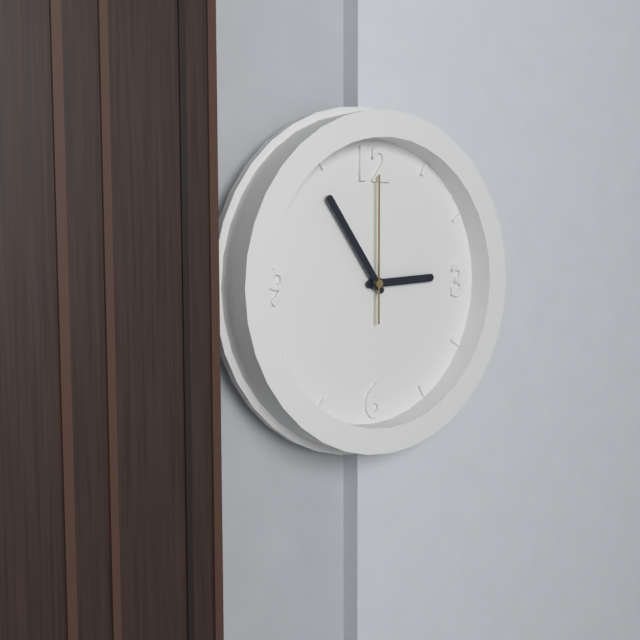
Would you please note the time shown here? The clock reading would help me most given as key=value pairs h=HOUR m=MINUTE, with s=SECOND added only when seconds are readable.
h=2 m=54 s=0
